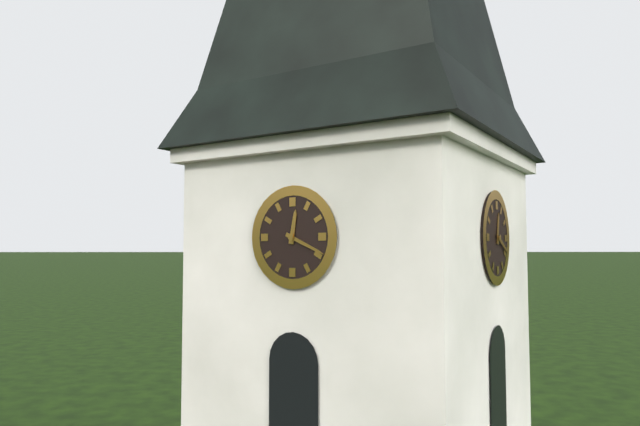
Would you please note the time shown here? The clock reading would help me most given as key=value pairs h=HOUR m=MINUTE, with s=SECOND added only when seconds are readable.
h=12 m=19
